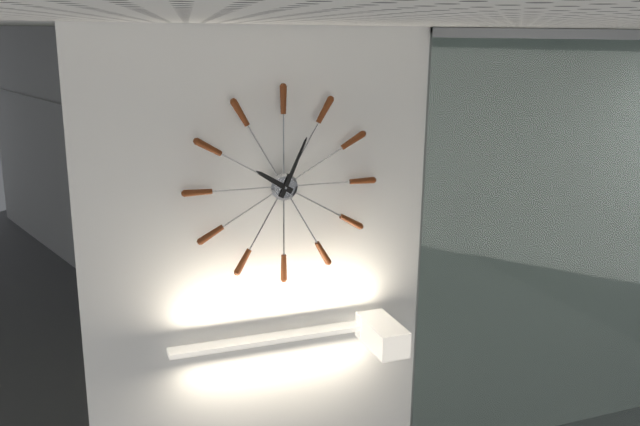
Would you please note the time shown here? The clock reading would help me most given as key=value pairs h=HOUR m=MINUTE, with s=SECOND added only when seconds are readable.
h=10 m=4
